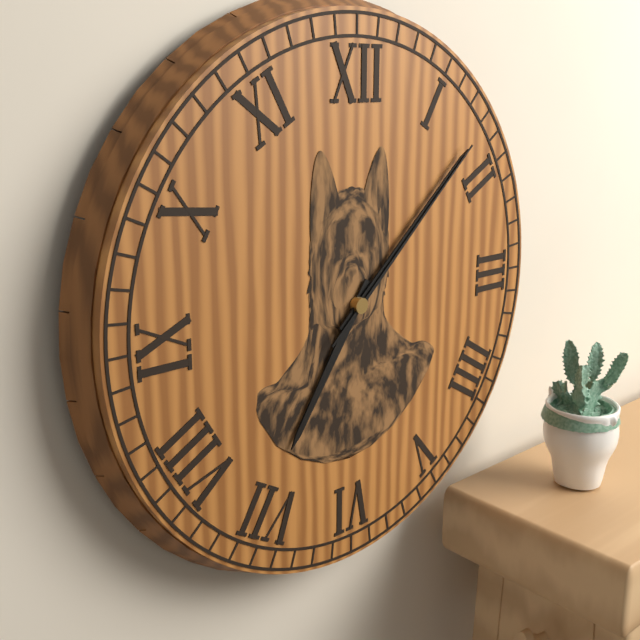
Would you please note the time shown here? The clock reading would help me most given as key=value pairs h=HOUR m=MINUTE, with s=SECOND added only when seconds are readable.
h=7 m=8 s=8
